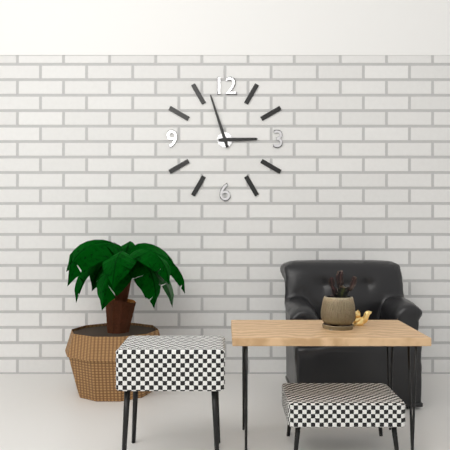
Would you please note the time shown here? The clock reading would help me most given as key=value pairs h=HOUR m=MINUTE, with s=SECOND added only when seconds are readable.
h=2 m=57
